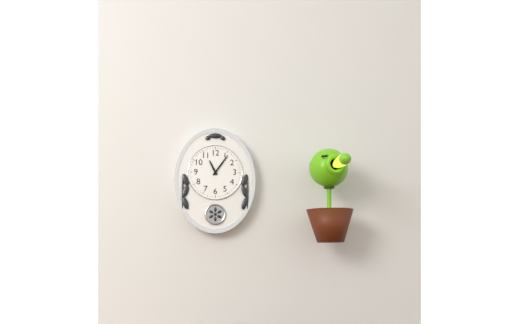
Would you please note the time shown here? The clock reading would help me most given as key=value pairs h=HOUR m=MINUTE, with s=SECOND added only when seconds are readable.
h=11 m=6
